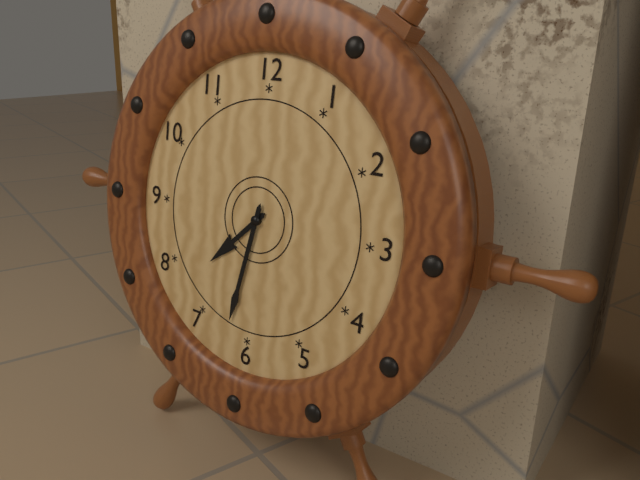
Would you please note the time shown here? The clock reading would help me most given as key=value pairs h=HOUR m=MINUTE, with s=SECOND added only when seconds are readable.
h=7 m=32
